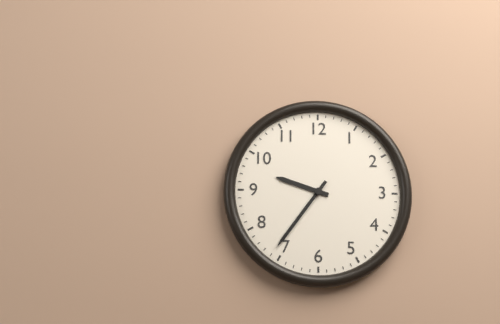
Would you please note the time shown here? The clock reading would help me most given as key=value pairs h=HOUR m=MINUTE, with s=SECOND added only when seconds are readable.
h=9 m=36
